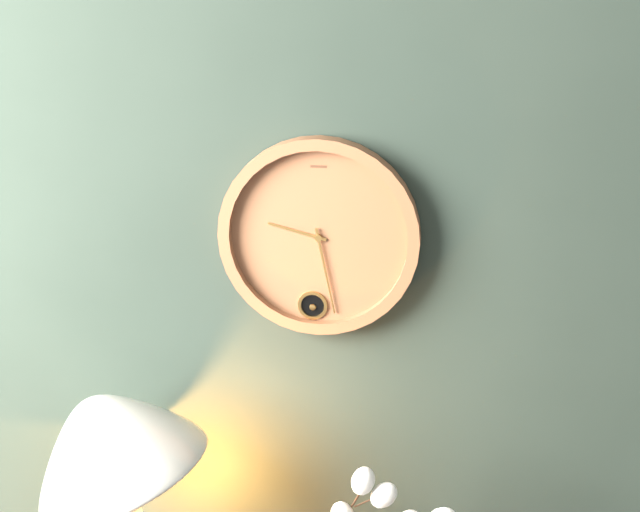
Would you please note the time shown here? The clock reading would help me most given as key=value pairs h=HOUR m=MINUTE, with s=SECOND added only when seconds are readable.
h=9 m=28
